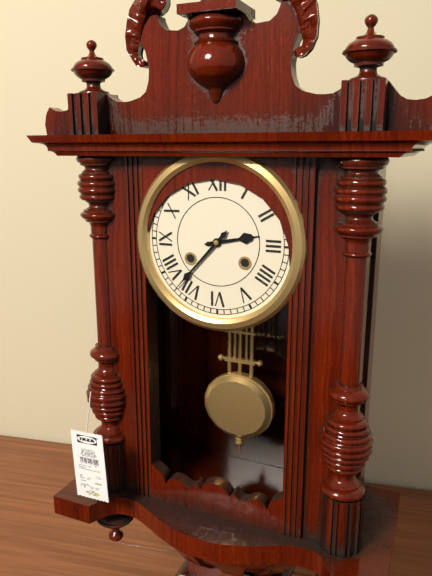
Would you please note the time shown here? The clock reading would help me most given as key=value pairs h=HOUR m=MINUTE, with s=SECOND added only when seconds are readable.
h=2 m=37
